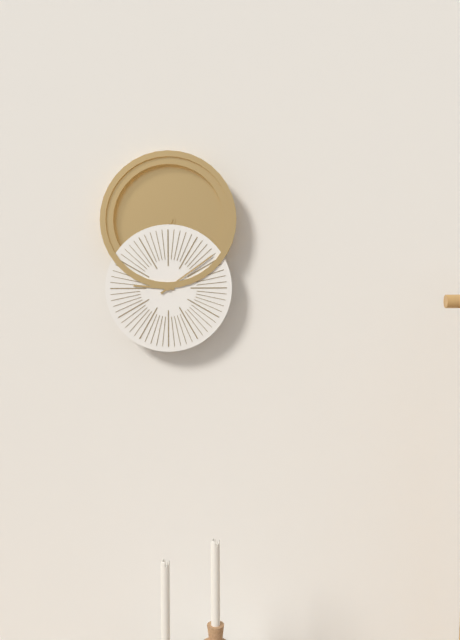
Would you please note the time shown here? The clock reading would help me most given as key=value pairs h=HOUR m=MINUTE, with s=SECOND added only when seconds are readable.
h=9 m=9
